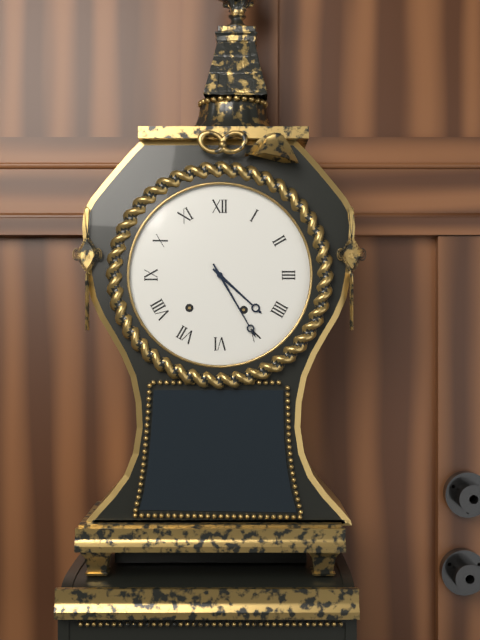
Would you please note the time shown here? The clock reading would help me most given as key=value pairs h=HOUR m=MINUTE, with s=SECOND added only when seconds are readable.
h=4 m=25
